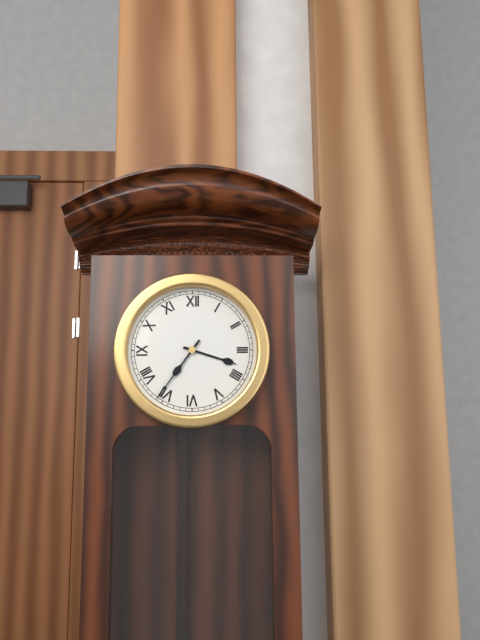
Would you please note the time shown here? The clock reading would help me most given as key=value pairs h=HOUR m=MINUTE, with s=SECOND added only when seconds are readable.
h=3 m=36
